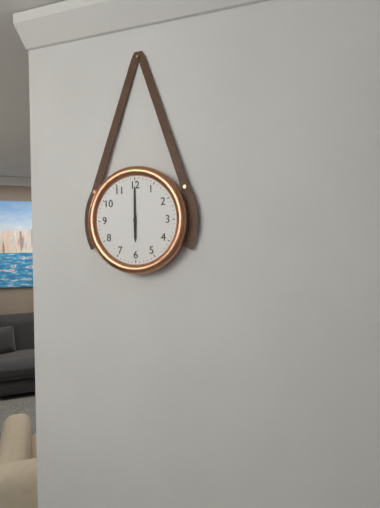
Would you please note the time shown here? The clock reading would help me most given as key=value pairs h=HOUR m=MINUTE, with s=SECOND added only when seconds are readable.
h=6 m=0
